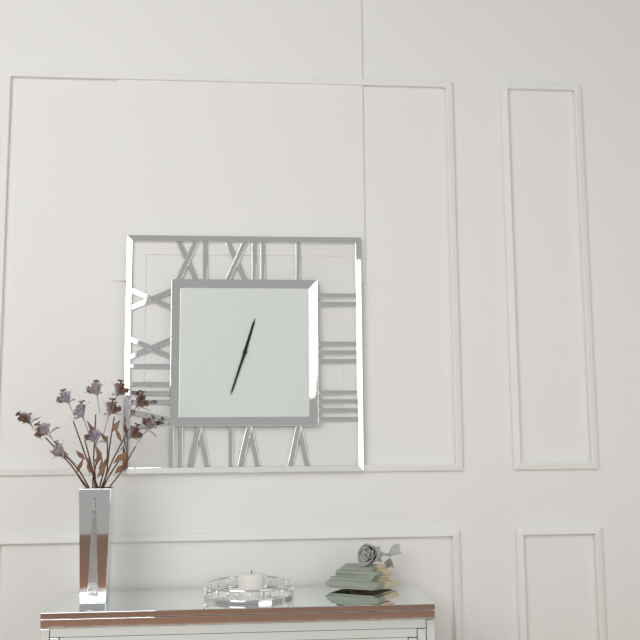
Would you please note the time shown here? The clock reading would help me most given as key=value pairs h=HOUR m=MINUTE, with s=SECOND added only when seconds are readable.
h=12 m=33
